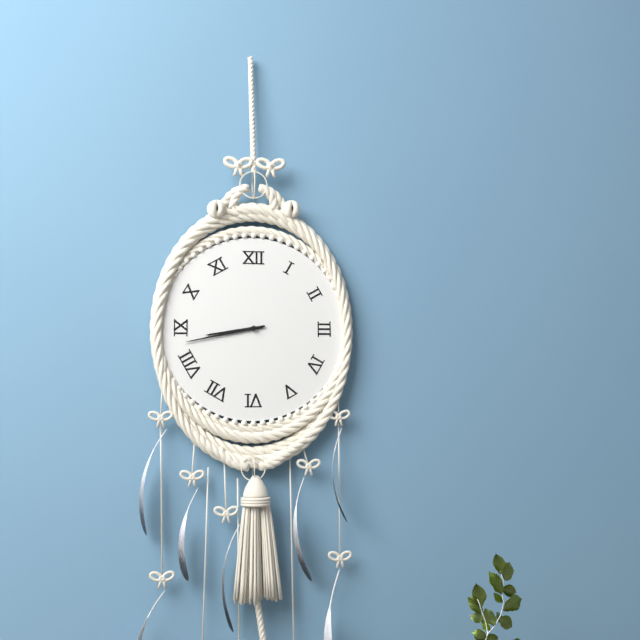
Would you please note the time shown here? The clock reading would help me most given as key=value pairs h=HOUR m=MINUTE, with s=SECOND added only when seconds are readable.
h=8 m=43
